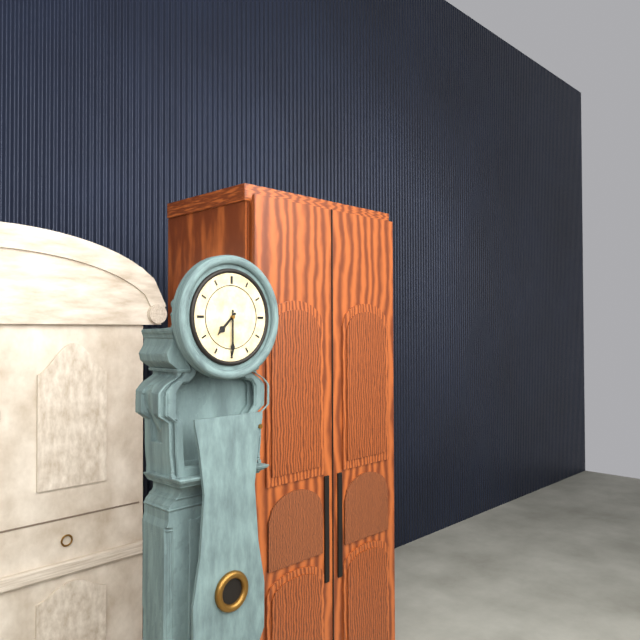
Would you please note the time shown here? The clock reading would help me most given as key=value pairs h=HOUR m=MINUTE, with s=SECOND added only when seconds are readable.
h=7 m=30
